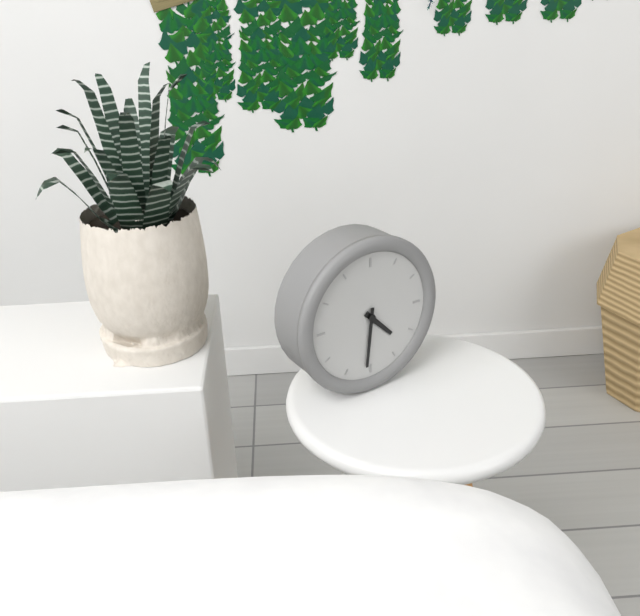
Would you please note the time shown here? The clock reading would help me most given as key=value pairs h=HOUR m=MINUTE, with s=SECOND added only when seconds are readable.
h=4 m=31
